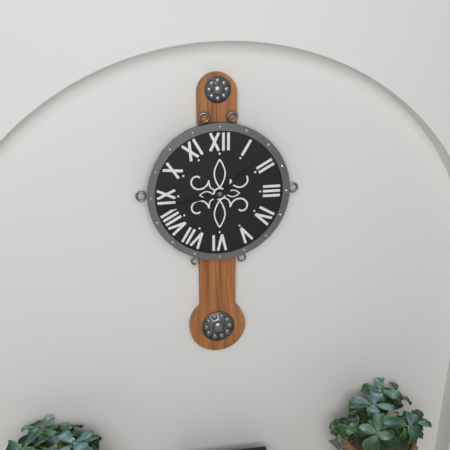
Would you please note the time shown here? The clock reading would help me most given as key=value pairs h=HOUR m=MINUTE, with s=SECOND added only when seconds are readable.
h=1 m=43
